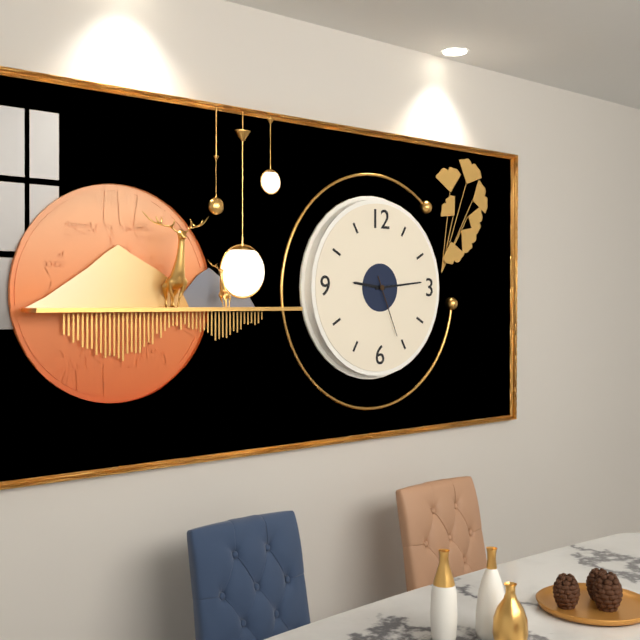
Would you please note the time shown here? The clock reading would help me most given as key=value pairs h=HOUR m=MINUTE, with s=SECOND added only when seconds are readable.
h=9 m=14 s=26
